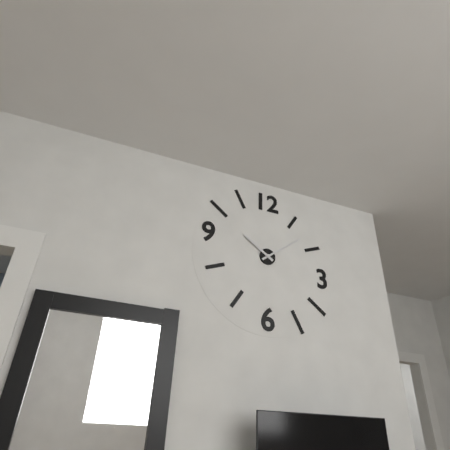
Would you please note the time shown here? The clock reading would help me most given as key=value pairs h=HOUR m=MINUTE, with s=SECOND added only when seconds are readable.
h=10 m=9
